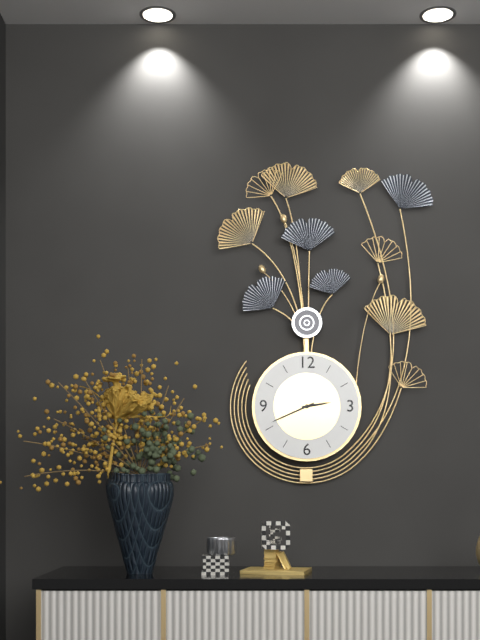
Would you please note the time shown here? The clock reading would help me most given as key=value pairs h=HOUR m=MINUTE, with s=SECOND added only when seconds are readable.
h=2 m=41
